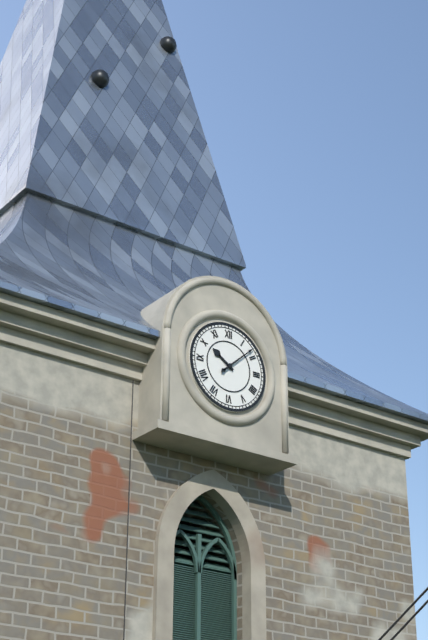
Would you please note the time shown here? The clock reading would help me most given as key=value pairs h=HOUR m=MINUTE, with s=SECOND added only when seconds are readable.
h=10 m=8
